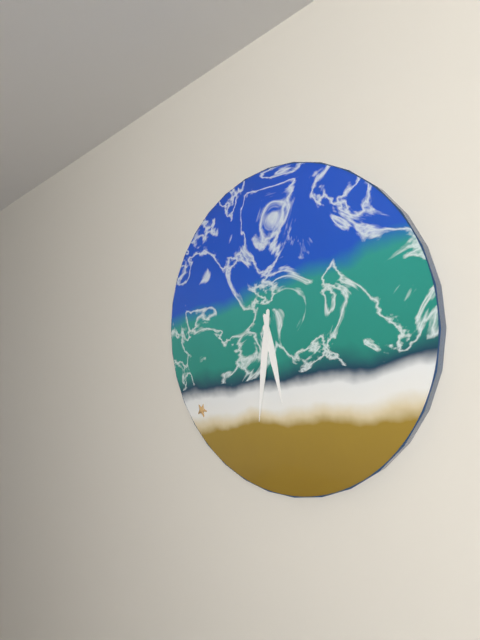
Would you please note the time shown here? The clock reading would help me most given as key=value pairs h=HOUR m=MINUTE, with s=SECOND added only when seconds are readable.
h=5 m=31
